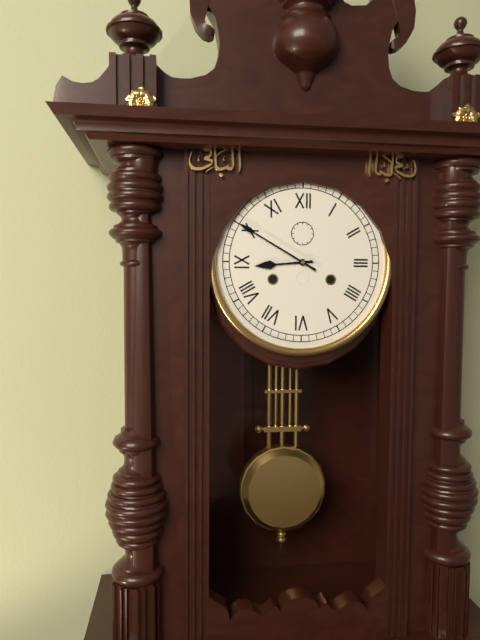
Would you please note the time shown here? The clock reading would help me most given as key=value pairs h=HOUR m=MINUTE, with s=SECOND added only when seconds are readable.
h=8 m=50
